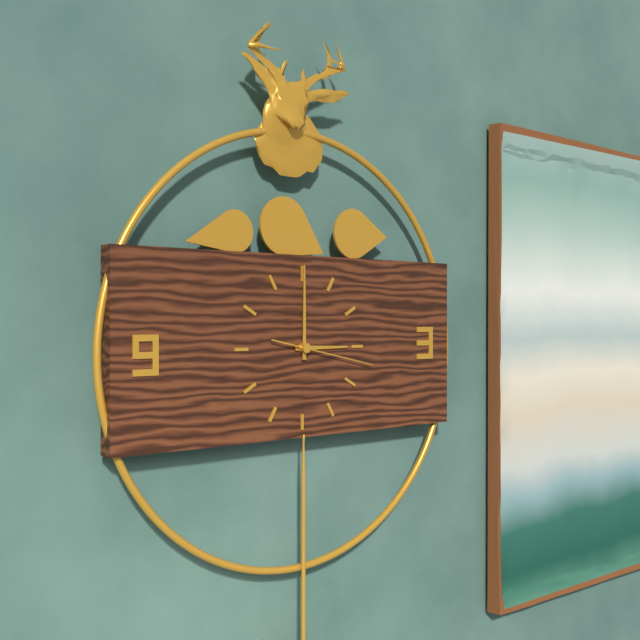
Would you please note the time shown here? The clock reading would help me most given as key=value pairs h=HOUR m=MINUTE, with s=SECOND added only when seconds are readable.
h=3 m=0 s=17
